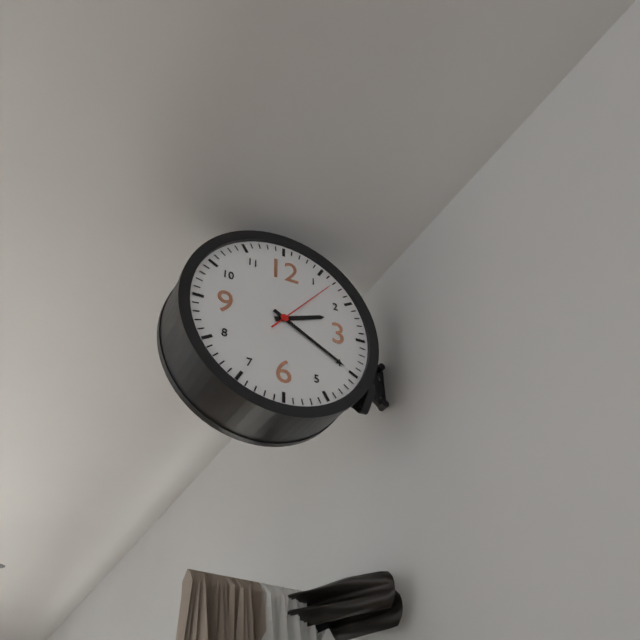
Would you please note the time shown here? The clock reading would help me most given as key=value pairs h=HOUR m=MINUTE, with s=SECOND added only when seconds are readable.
h=2 m=20 s=7
